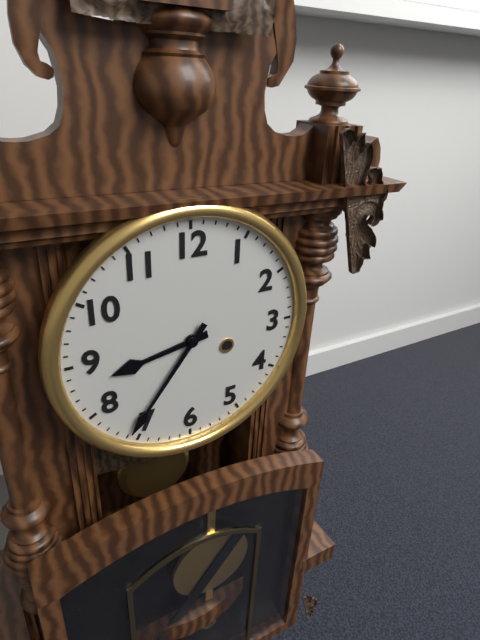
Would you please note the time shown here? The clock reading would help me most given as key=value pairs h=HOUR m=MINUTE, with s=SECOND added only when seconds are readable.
h=8 m=36
